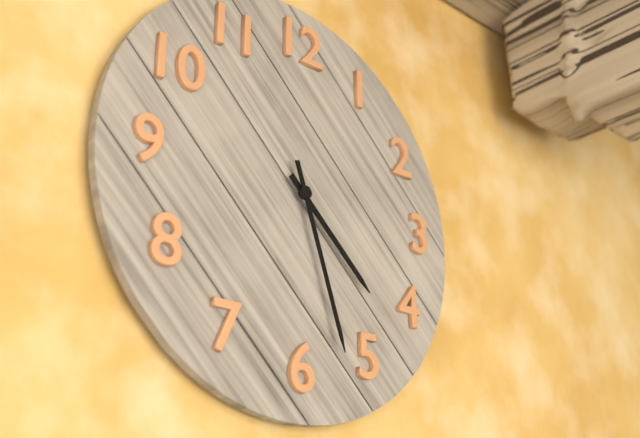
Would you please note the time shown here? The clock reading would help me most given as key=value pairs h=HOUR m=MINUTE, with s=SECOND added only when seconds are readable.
h=4 m=27
